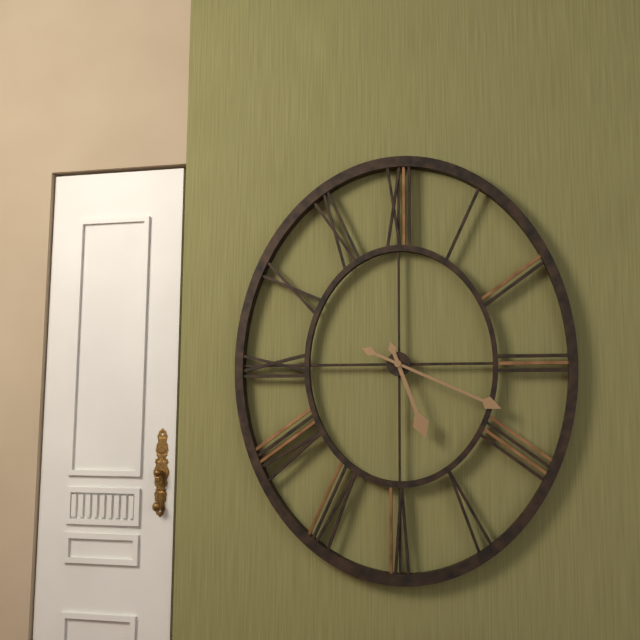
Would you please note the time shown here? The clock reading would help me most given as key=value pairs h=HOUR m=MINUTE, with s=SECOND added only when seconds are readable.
h=5 m=19
